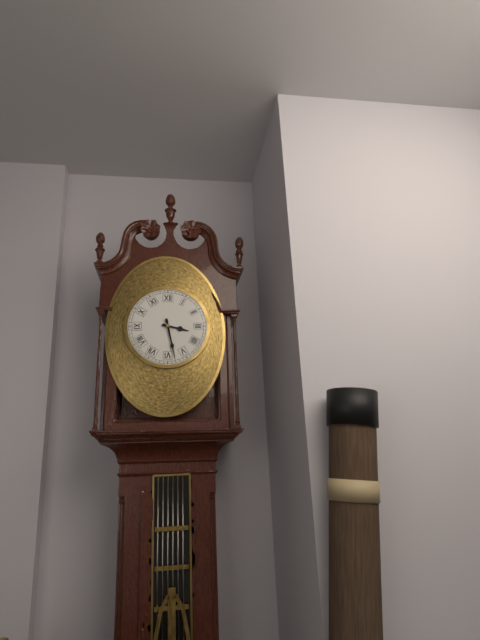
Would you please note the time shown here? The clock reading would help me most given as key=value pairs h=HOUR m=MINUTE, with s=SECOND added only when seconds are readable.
h=3 m=28
